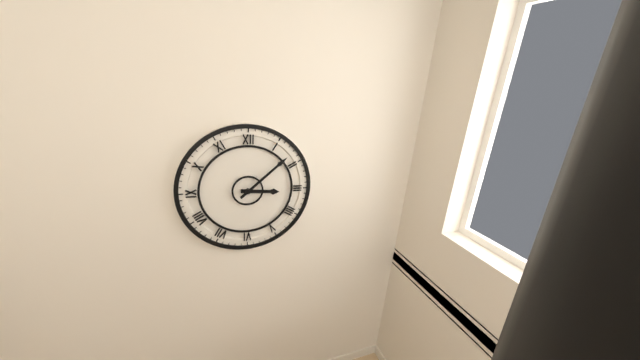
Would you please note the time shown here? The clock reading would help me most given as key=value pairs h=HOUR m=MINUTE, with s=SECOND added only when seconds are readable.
h=3 m=8
